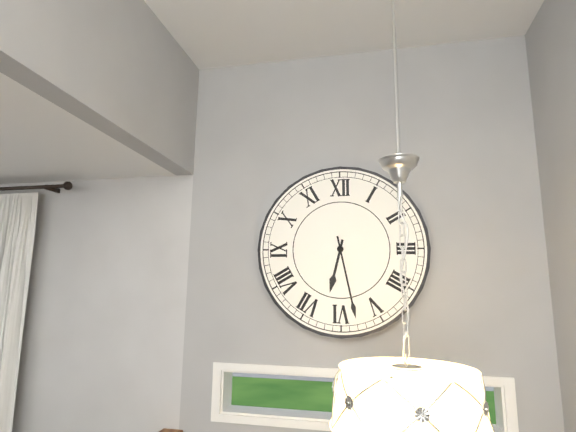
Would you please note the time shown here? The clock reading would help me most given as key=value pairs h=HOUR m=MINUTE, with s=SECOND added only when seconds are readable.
h=6 m=28
